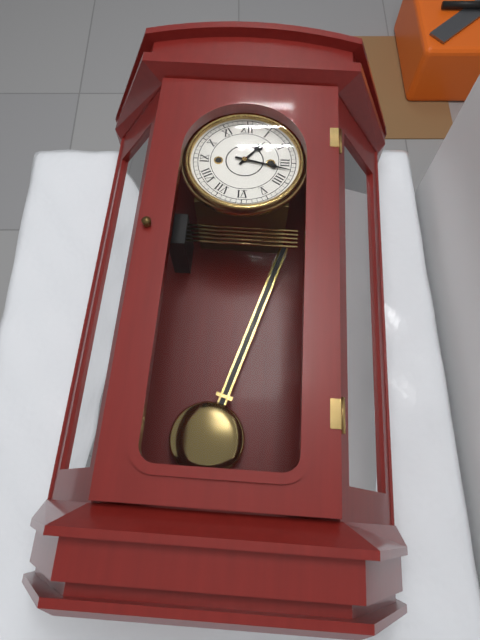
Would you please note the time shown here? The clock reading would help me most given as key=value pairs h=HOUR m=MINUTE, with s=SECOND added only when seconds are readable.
h=1 m=17
